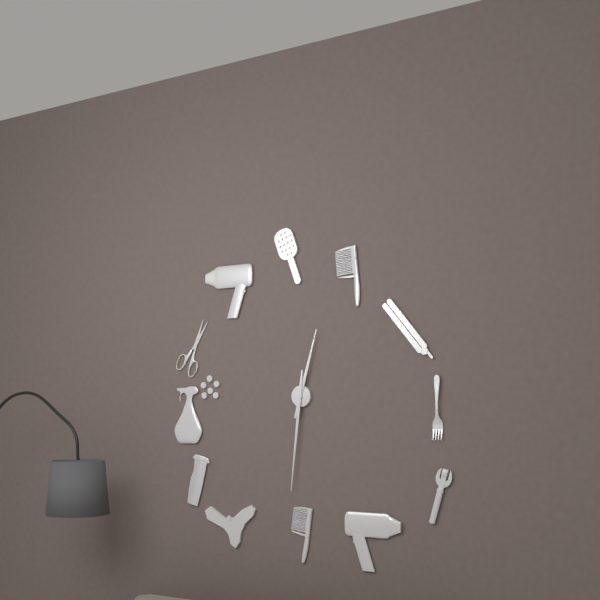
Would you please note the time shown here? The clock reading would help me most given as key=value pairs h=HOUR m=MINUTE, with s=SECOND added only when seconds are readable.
h=12 m=31
